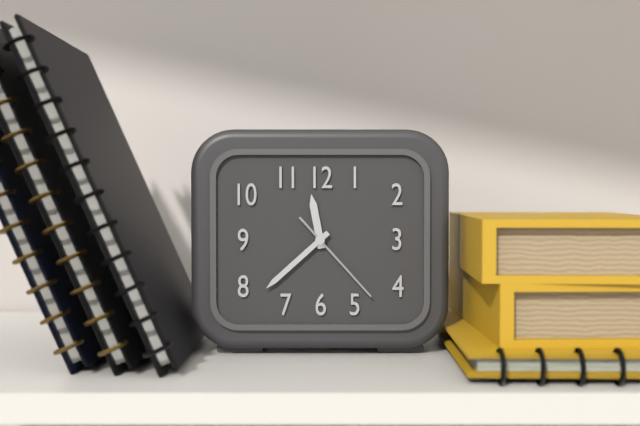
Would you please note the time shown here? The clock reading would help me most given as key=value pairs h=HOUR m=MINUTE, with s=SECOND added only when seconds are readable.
h=11 m=38 s=23
